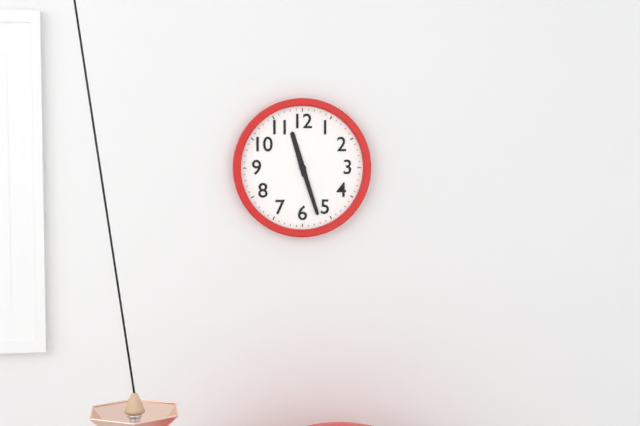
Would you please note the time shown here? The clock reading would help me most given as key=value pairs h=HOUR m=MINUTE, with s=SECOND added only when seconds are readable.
h=11 m=27
